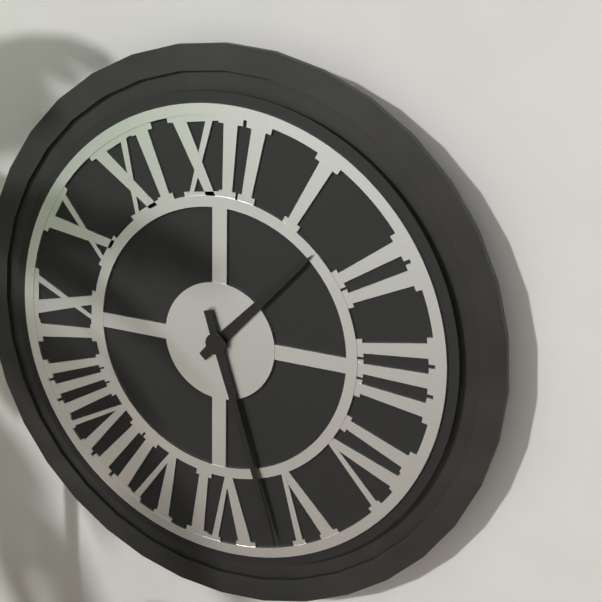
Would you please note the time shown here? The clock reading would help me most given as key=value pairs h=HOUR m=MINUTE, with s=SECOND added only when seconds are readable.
h=1 m=27
